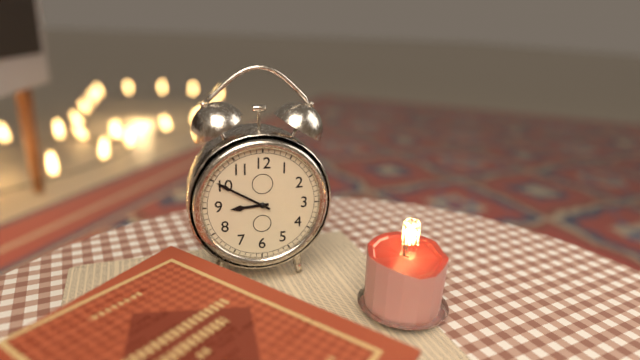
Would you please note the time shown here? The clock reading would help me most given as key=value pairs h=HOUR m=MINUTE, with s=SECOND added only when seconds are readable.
h=8 m=50
